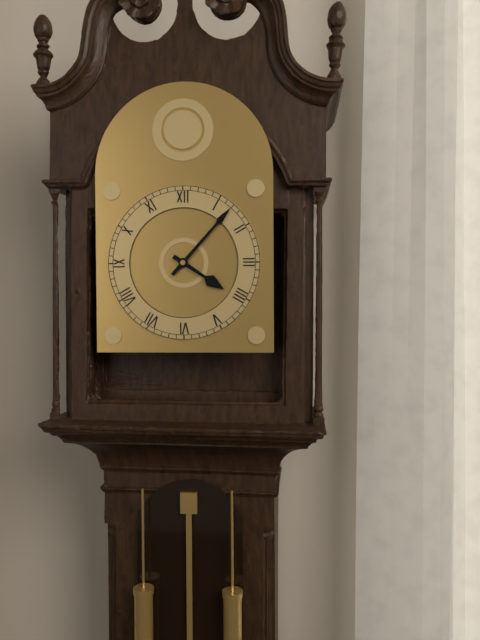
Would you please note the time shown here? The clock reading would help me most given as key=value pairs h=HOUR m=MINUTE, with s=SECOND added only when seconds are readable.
h=4 m=7
